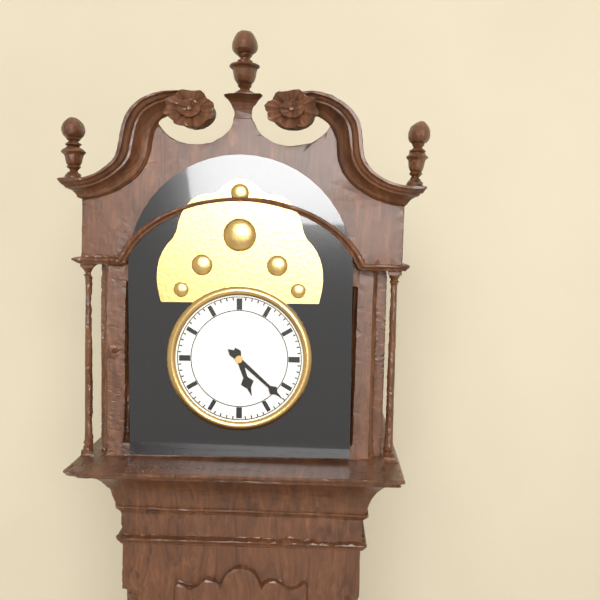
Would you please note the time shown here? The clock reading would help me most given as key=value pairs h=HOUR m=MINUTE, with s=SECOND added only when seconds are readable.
h=5 m=22
